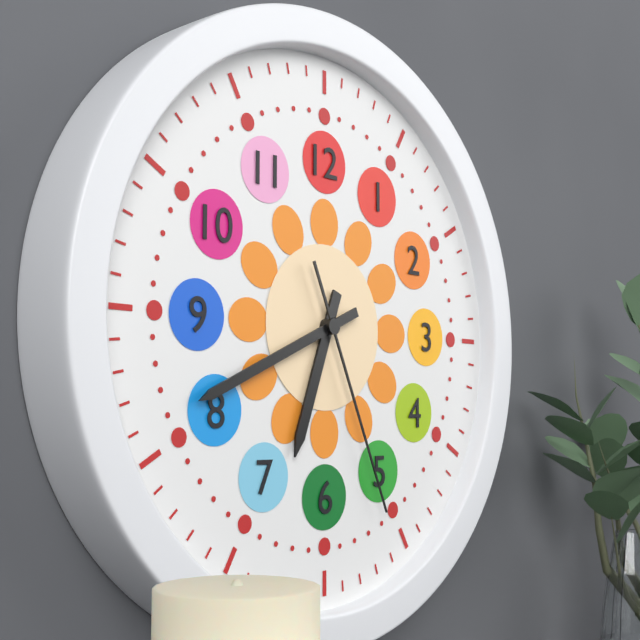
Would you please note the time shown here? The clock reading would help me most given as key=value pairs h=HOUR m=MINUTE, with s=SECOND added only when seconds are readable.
h=6 m=41 s=26
